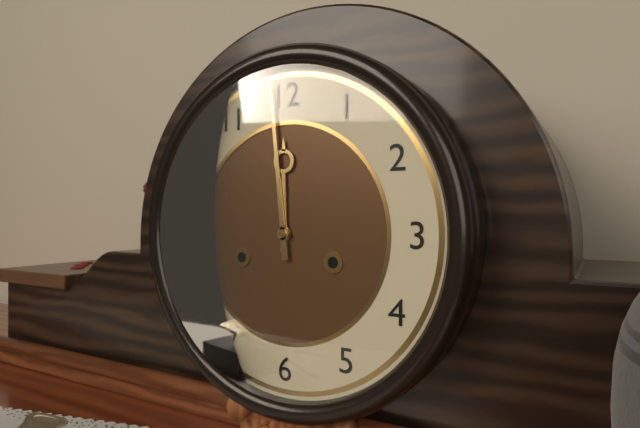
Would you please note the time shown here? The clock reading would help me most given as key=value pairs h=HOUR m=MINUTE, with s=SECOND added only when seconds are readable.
h=11 m=59
